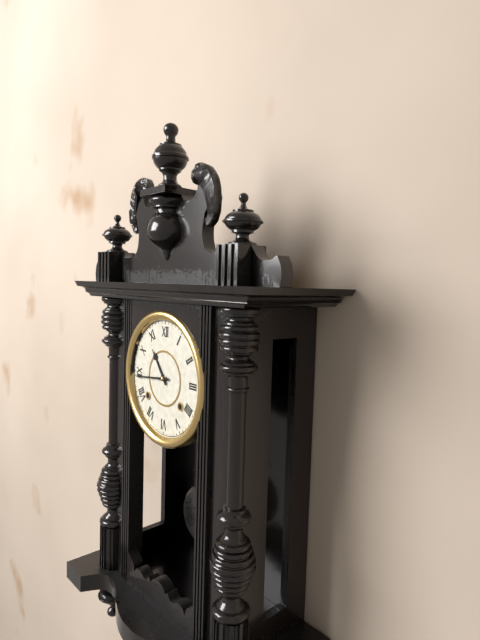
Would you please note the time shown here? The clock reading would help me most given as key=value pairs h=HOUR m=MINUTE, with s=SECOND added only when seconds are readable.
h=10 m=44
